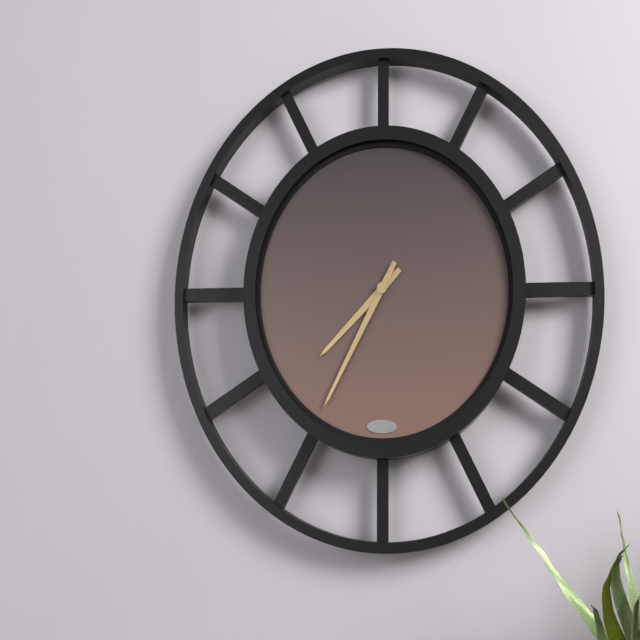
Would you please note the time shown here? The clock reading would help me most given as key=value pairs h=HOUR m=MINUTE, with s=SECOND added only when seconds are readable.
h=7 m=35
